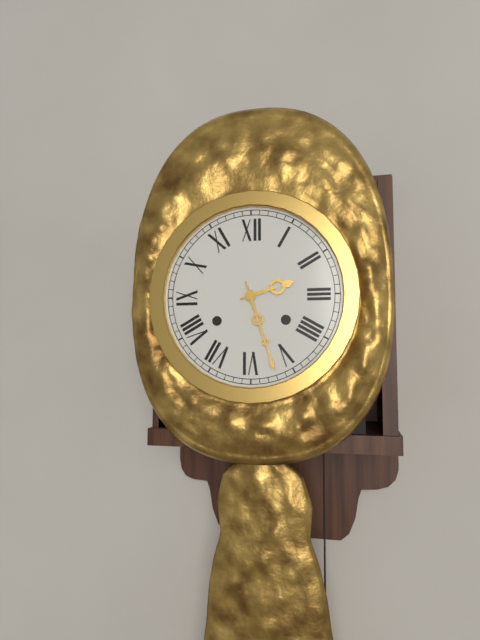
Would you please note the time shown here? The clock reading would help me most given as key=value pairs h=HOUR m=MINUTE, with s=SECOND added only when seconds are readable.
h=2 m=27
